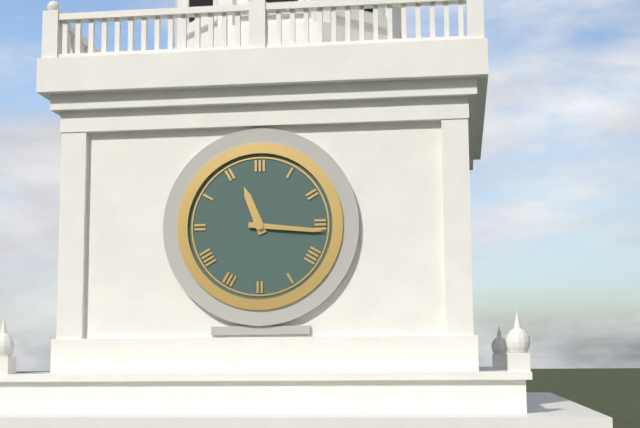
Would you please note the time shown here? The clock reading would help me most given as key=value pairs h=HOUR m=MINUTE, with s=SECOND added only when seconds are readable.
h=11 m=16
